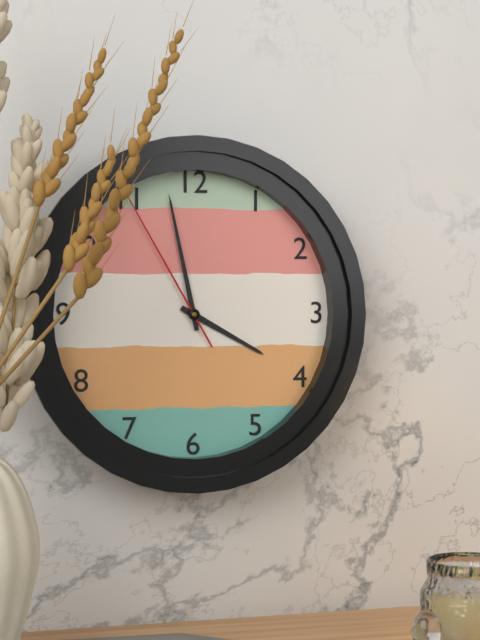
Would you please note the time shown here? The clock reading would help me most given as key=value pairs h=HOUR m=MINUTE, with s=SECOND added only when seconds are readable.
h=3 m=58 s=55
